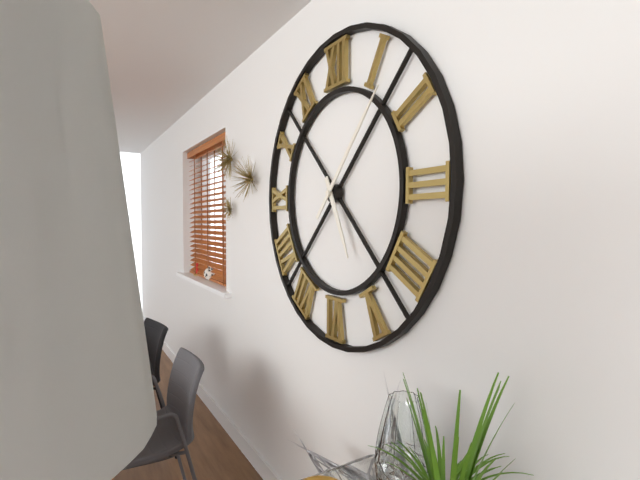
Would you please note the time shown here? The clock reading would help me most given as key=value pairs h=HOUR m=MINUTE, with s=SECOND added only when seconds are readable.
h=5 m=7
